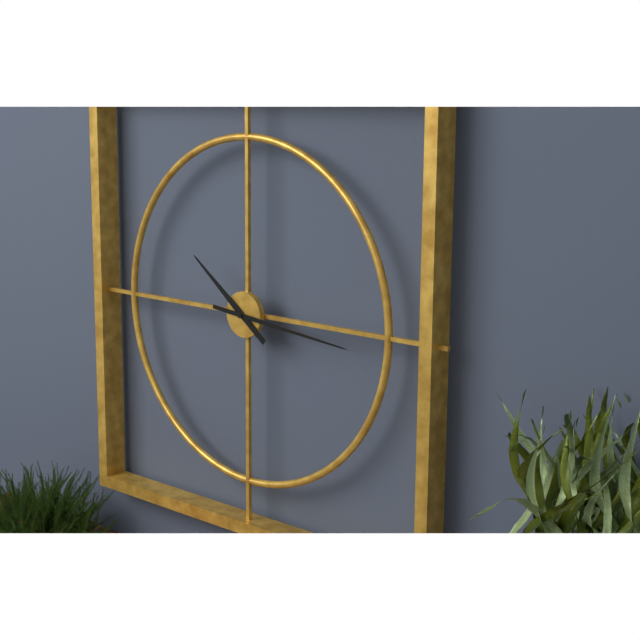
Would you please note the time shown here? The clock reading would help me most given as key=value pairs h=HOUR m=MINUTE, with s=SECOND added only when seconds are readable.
h=10 m=16
